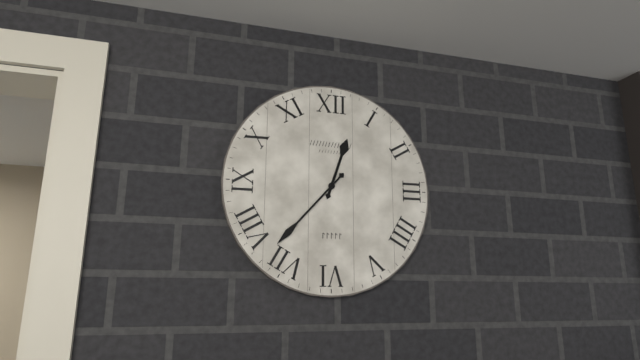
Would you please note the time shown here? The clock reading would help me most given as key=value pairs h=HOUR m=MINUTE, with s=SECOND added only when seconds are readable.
h=12 m=37
